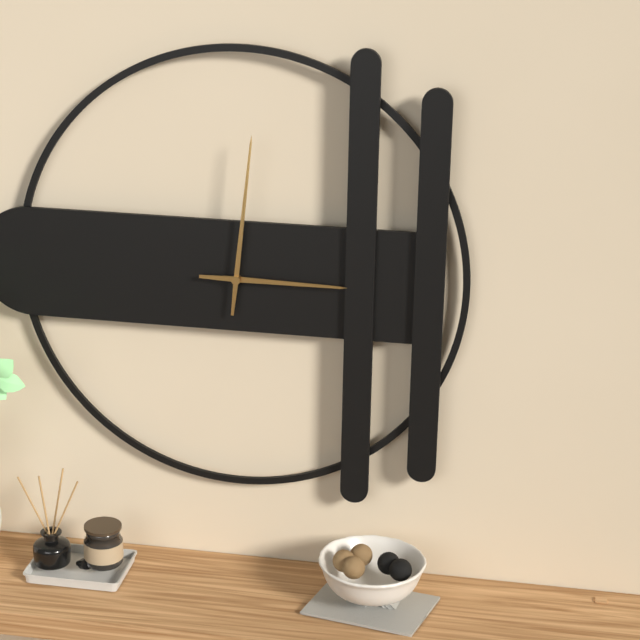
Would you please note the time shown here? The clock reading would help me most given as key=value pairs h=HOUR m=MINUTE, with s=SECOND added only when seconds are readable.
h=3 m=1
